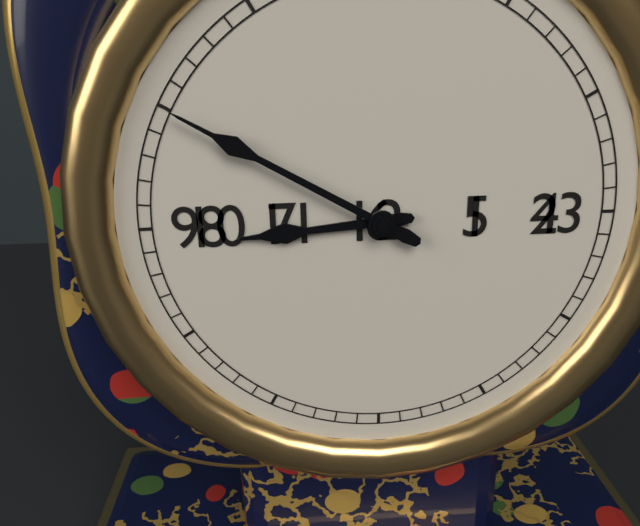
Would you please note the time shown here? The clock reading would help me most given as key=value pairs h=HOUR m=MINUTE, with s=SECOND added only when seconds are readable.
h=8 m=50
